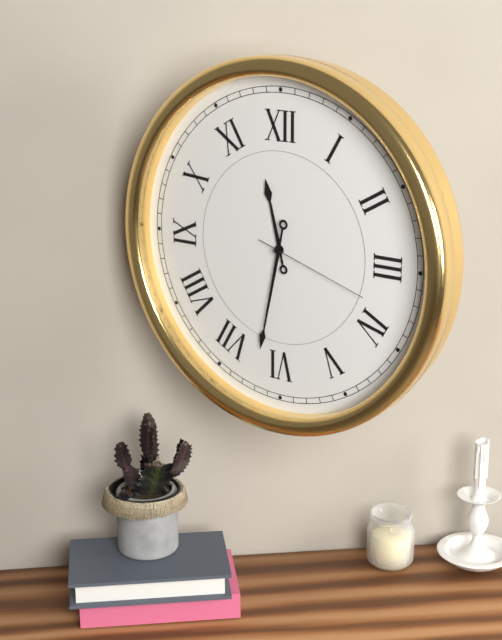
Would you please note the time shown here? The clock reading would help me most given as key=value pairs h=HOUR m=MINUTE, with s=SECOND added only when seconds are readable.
h=11 m=32 s=18
